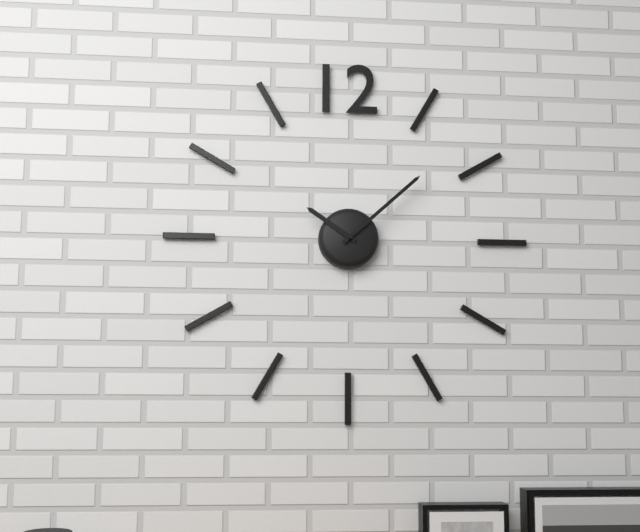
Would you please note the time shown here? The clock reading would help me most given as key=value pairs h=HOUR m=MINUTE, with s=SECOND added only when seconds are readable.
h=10 m=8
